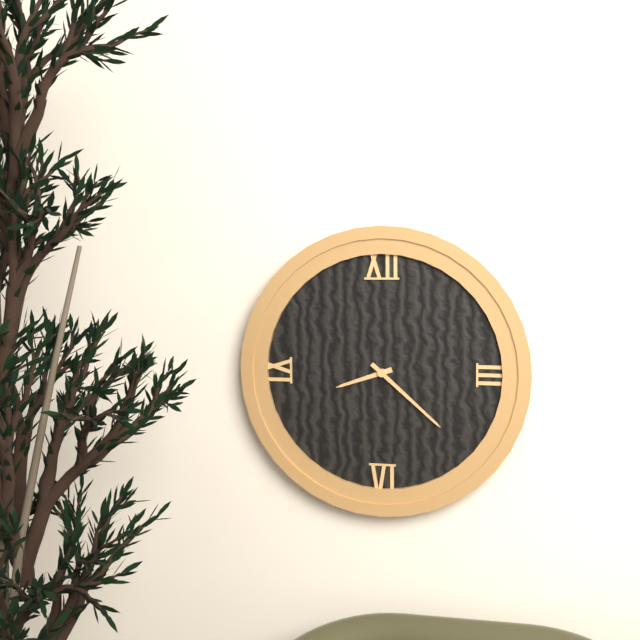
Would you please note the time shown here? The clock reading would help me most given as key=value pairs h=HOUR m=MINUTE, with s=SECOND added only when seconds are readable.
h=8 m=22
